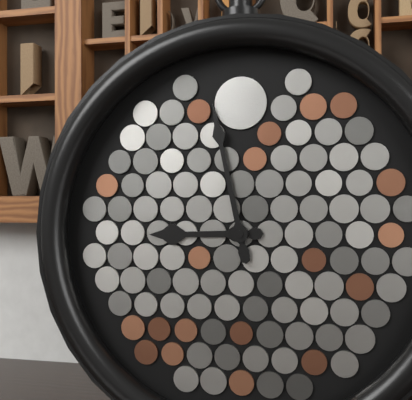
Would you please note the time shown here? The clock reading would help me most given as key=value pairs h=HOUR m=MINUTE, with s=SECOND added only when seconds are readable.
h=8 m=58
